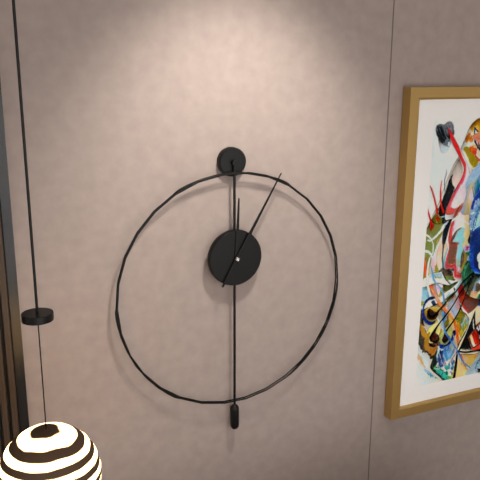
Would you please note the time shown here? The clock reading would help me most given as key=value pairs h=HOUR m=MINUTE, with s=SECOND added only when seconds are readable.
h=12 m=5
